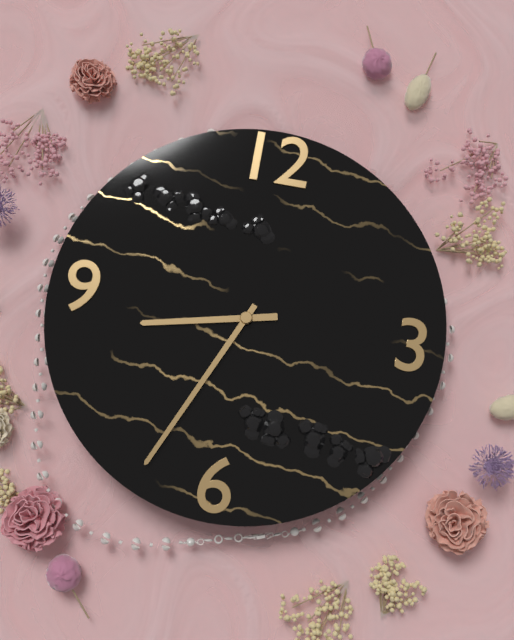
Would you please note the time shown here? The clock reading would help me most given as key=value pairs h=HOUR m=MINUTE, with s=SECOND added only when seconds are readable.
h=8 m=34
